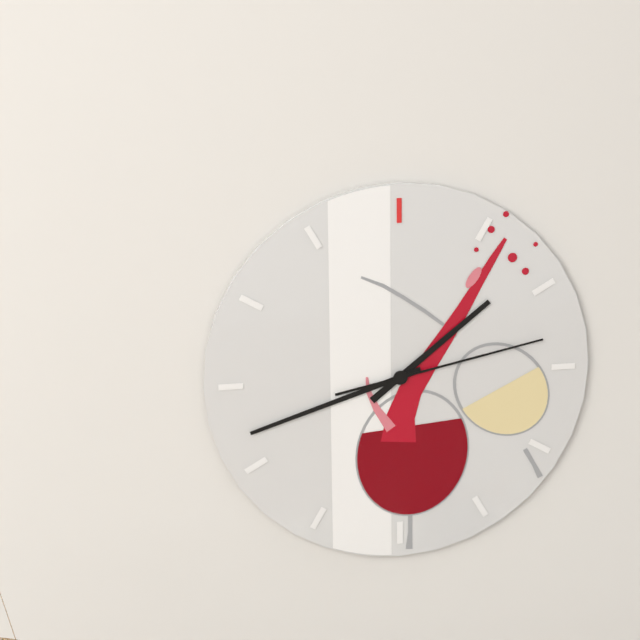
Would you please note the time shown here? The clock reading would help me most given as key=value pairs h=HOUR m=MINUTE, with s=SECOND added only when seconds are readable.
h=1 m=42 s=13
